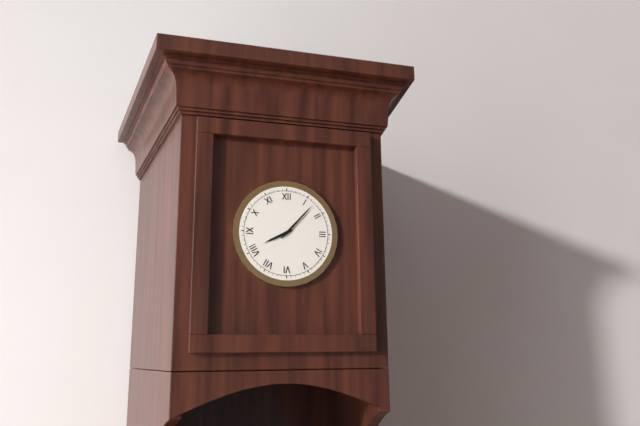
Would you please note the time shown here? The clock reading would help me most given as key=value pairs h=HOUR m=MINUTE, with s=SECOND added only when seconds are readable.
h=8 m=7
